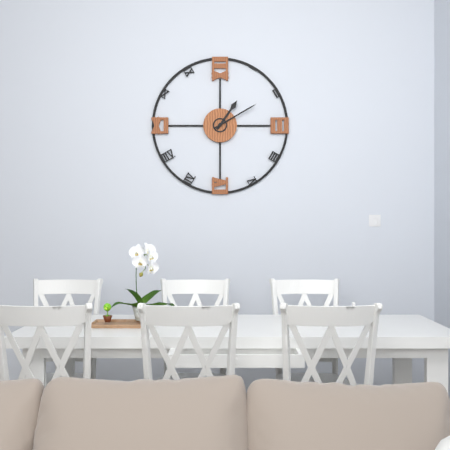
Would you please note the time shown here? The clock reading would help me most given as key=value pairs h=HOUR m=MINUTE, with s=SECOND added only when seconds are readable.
h=1 m=10
